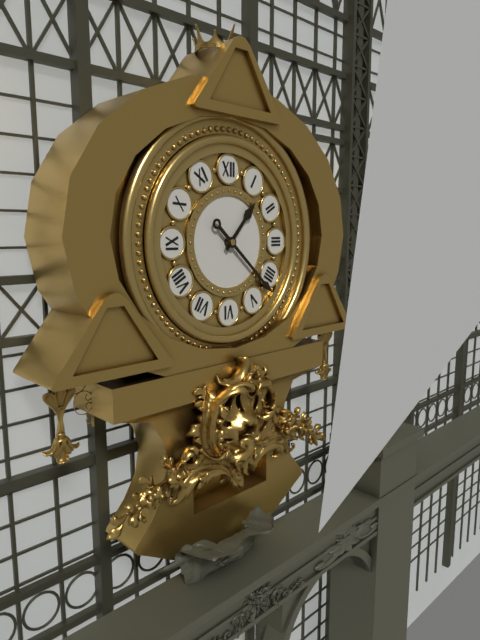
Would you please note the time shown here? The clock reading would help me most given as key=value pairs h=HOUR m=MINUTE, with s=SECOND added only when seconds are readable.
h=1 m=22
